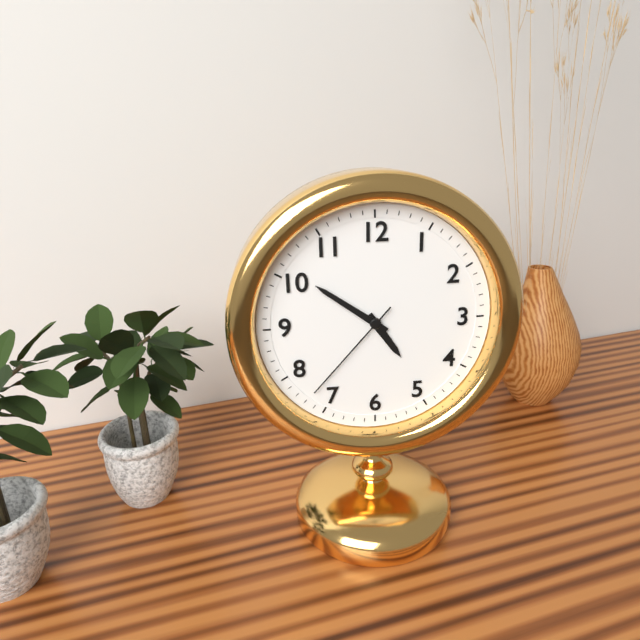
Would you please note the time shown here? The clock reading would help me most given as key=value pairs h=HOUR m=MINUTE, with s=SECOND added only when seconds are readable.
h=4 m=51 s=37
